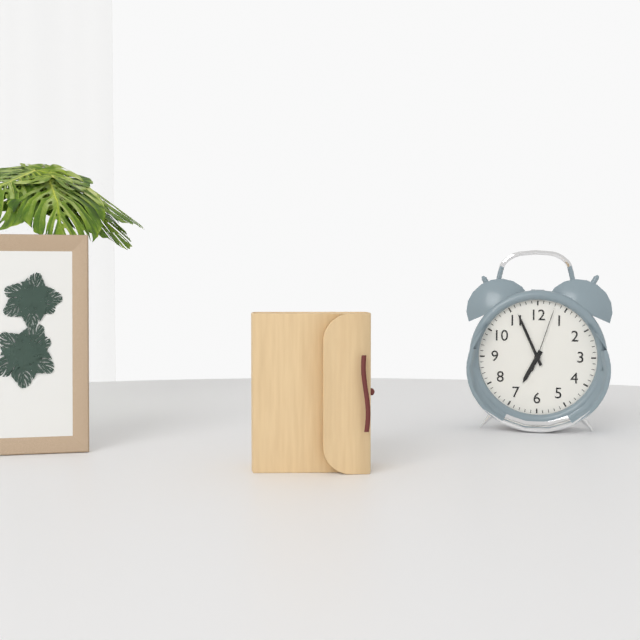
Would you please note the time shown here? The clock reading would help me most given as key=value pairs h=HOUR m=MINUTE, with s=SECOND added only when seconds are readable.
h=6 m=56 s=3
